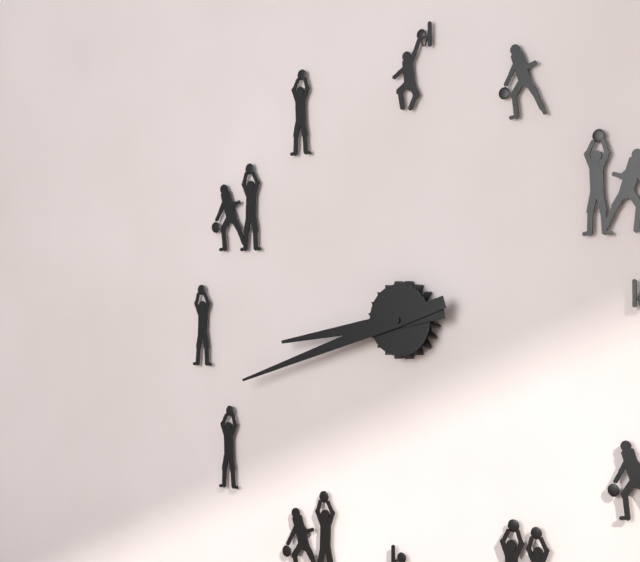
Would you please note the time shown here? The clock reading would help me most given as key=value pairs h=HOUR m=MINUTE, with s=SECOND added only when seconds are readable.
h=8 m=42
